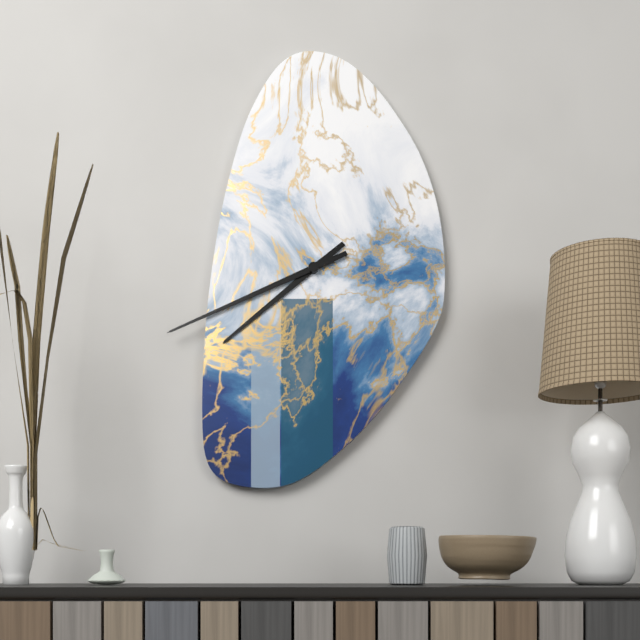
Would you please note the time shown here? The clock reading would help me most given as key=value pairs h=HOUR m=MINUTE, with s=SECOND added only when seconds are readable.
h=7 m=41
